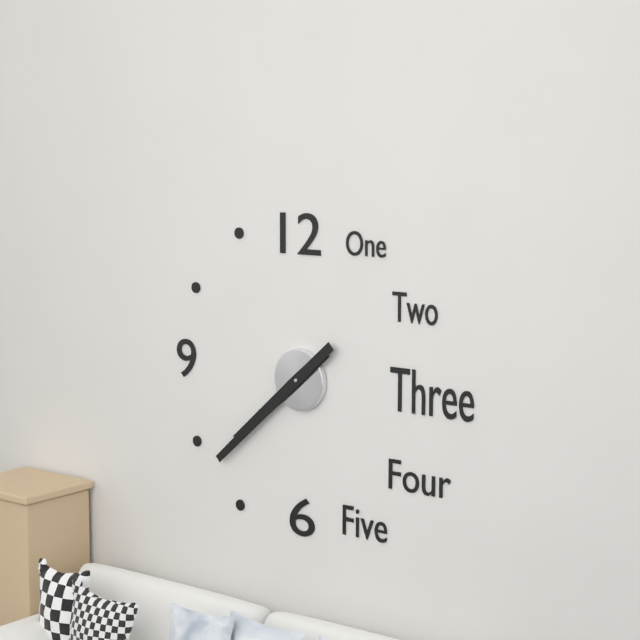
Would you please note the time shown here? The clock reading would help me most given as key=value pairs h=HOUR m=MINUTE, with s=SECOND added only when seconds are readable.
h=7 m=38
